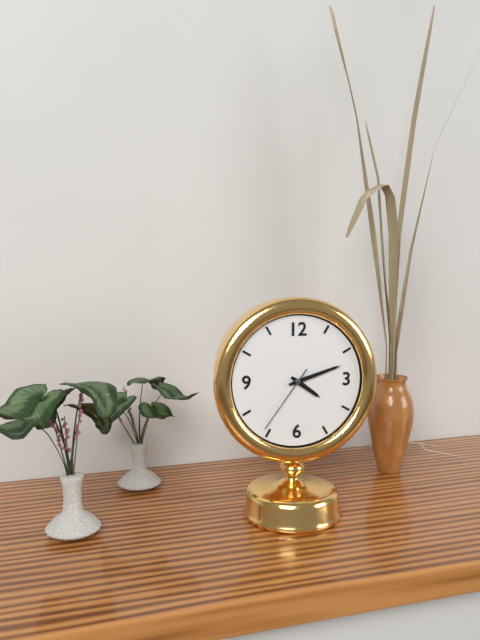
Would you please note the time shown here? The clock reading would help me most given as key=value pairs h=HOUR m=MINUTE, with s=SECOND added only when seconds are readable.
h=4 m=12 s=36
